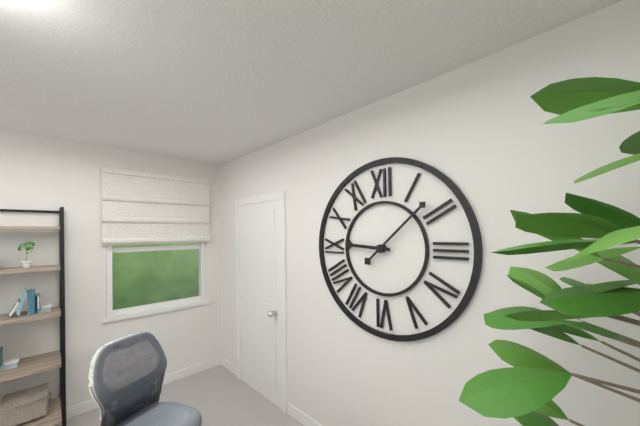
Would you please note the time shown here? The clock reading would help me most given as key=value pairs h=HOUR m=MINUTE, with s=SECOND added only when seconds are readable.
h=9 m=8
